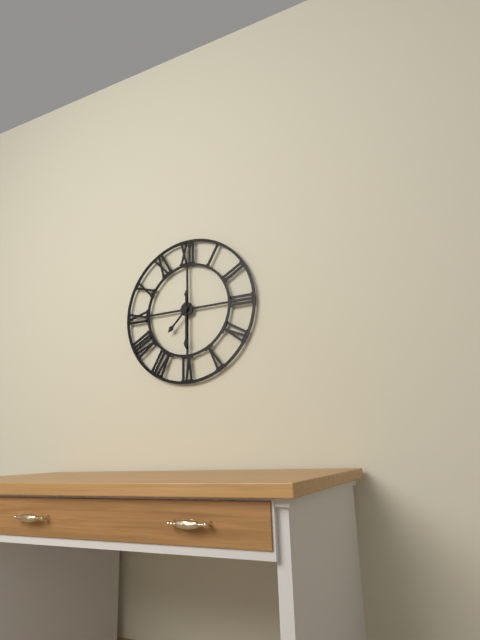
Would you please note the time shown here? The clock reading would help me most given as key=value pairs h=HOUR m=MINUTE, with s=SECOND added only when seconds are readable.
h=7 m=30
